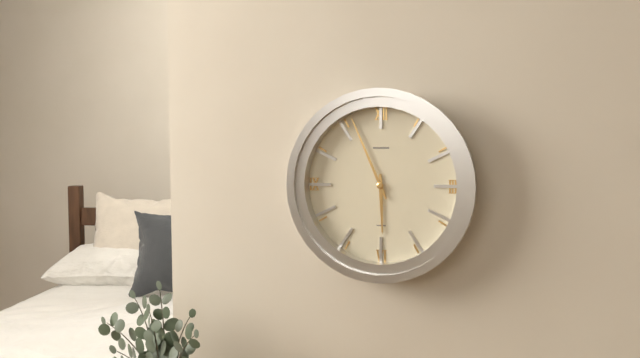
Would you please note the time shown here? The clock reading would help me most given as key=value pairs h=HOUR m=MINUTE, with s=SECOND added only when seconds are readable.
h=5 m=56
